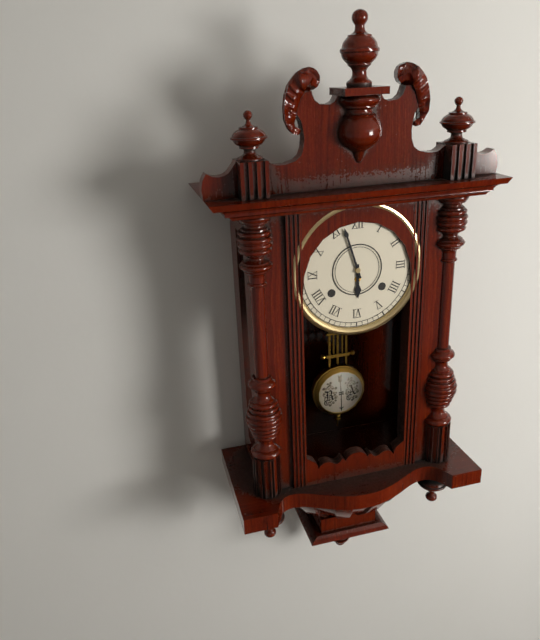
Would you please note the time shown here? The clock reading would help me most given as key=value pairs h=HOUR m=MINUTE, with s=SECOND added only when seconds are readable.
h=5 m=57
